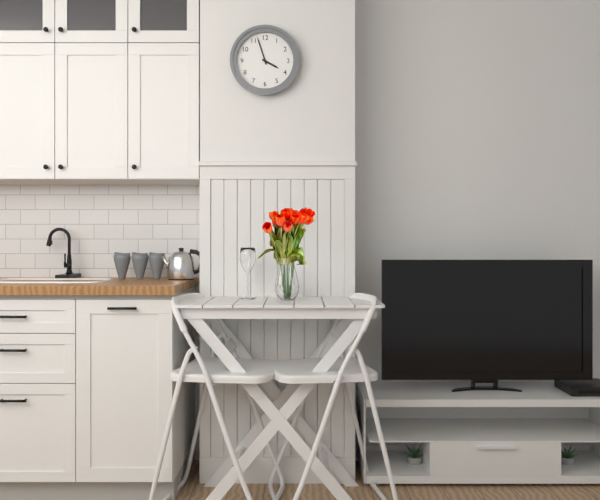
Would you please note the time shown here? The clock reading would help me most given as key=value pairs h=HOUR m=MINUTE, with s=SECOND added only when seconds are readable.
h=3 m=57
